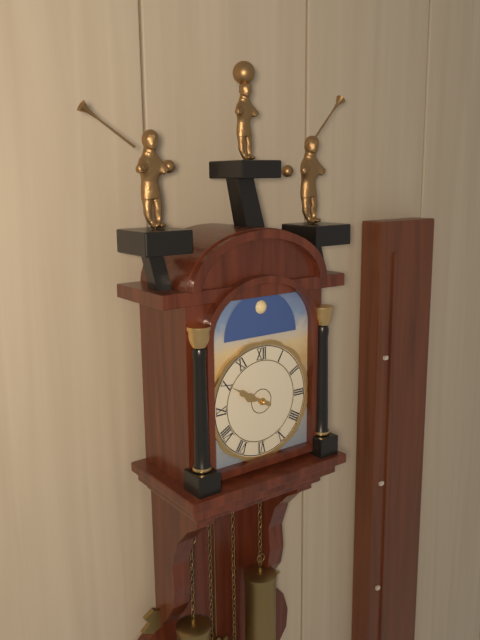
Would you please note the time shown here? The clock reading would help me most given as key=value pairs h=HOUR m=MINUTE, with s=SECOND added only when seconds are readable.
h=9 m=50
